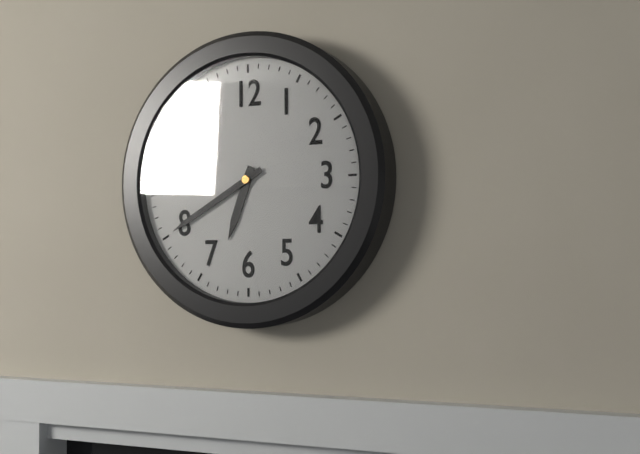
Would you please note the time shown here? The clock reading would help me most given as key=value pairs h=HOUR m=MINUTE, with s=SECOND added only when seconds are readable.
h=6 m=40
